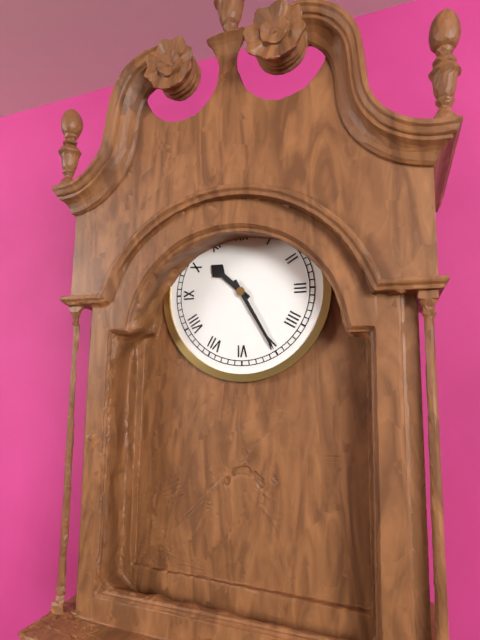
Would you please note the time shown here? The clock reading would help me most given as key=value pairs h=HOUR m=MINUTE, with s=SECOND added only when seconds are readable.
h=10 m=25
